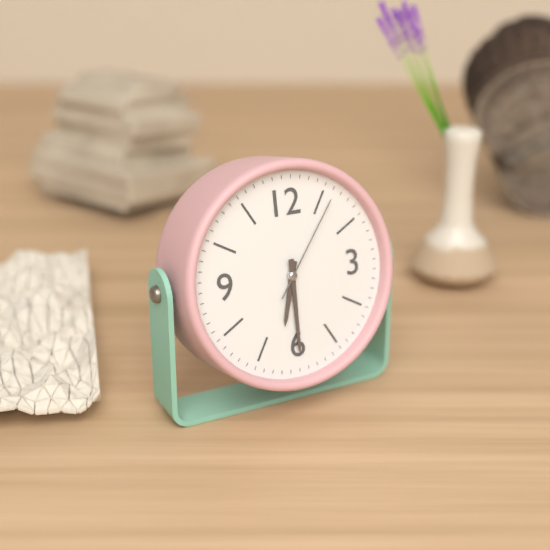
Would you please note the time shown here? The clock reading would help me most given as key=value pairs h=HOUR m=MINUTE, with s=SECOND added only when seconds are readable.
h=6 m=30 s=6
